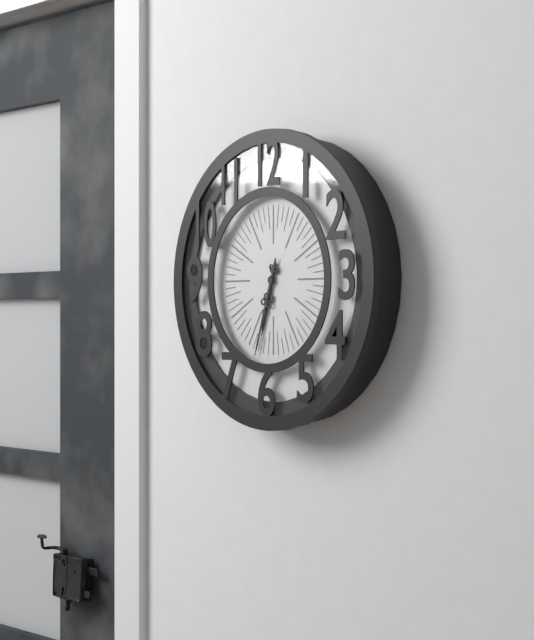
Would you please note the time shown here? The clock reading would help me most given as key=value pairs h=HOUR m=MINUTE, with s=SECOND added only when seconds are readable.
h=6 m=33
